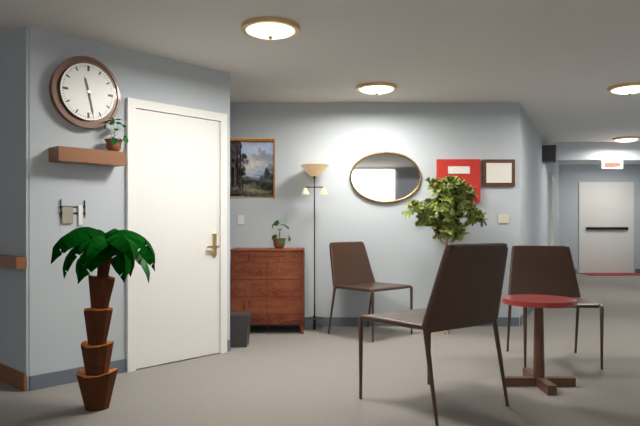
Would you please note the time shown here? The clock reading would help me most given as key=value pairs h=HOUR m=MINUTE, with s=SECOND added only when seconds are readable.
h=11 m=28
